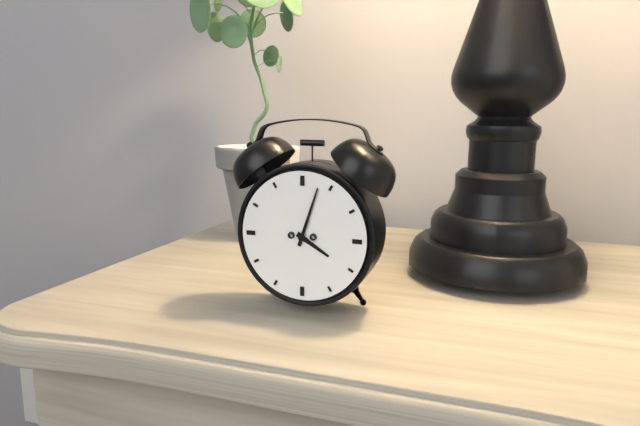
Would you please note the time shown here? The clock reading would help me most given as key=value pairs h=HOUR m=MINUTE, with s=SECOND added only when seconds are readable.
h=4 m=3
